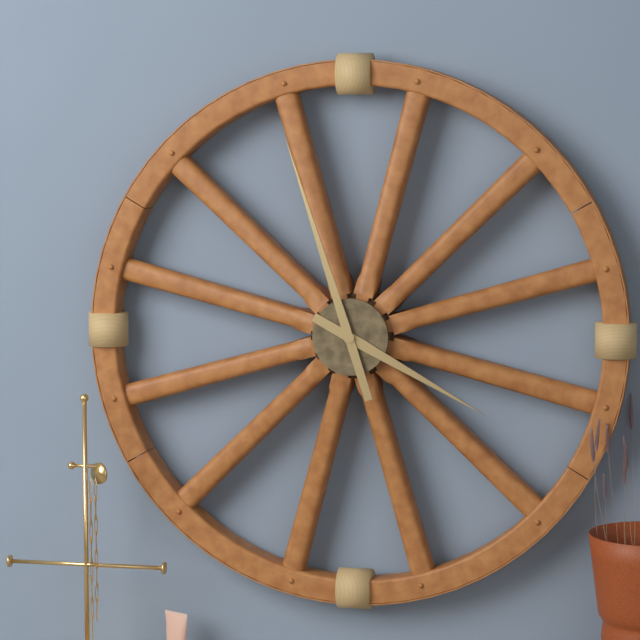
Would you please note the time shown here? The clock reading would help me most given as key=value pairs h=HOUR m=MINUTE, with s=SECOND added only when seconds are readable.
h=3 m=57
